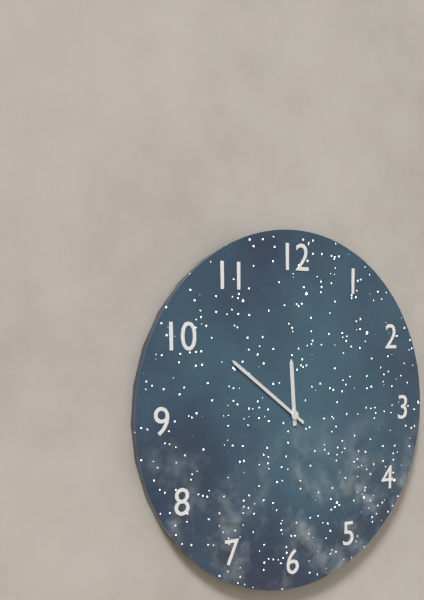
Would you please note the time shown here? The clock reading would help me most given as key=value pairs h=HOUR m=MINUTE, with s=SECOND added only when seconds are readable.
h=11 m=51
